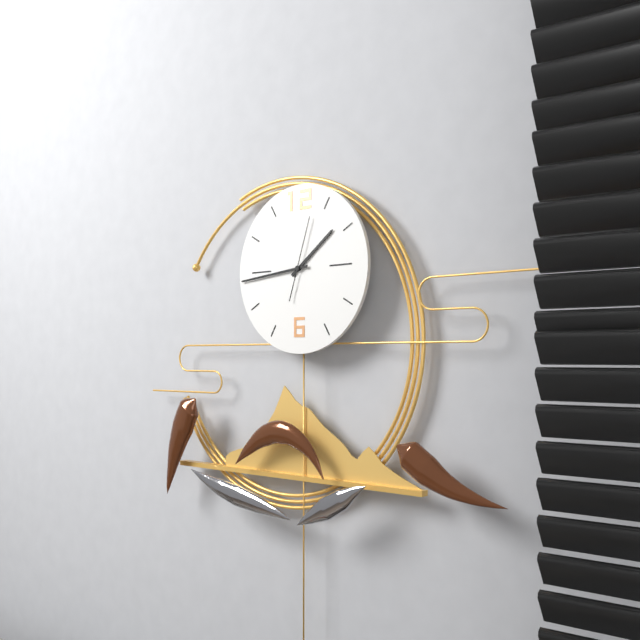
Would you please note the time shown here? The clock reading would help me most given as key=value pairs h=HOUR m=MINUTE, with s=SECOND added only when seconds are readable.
h=1 m=44 s=3
